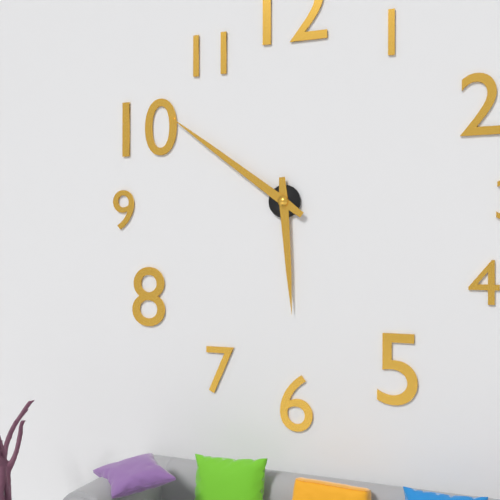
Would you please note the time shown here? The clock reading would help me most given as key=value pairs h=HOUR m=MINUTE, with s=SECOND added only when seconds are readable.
h=5 m=51
